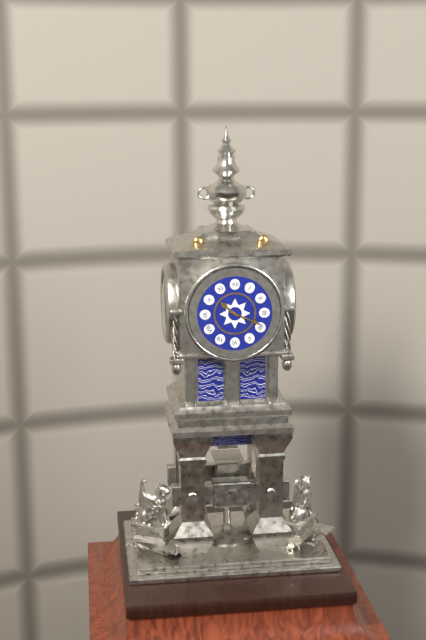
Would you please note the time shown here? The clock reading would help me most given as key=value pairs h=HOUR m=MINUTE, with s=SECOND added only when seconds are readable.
h=10 m=19
